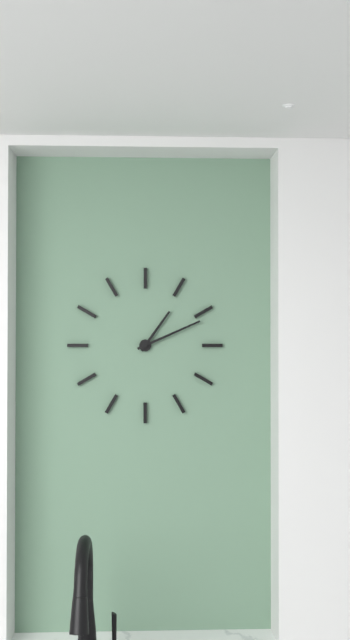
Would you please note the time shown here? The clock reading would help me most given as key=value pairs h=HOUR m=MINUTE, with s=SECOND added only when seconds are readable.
h=1 m=11
